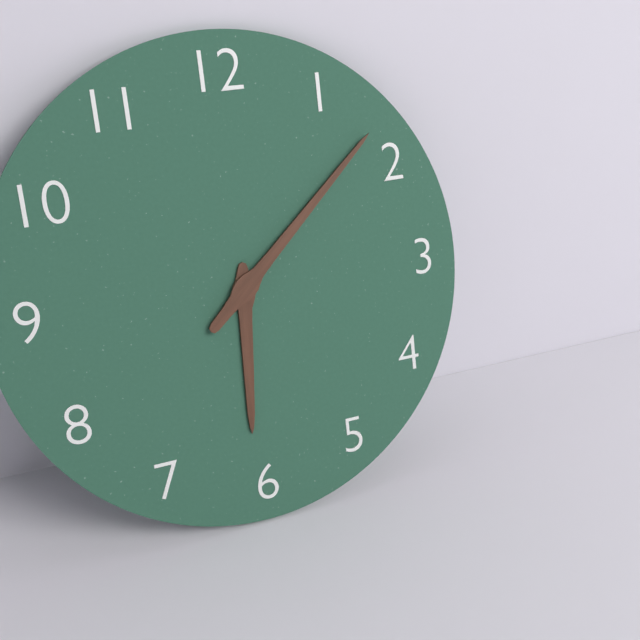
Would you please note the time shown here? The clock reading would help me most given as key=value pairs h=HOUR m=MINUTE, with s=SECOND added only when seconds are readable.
h=6 m=8
